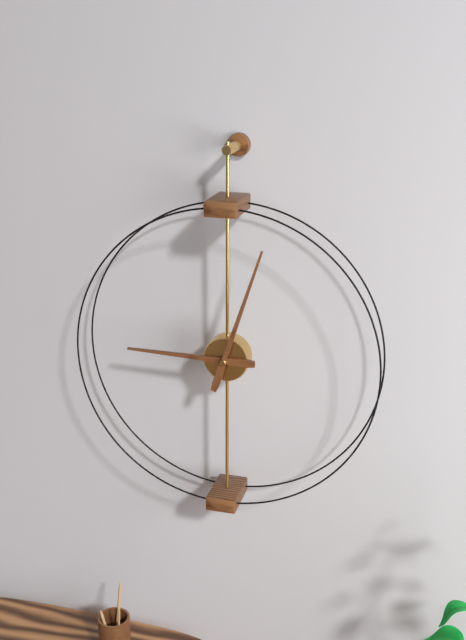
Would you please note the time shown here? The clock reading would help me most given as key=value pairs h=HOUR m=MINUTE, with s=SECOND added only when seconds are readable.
h=9 m=3
